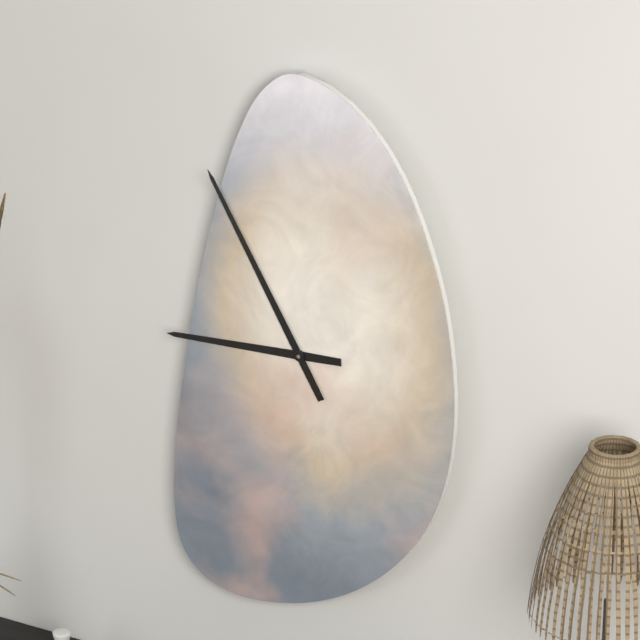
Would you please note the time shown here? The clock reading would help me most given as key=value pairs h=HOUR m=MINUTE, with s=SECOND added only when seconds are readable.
h=8 m=55
